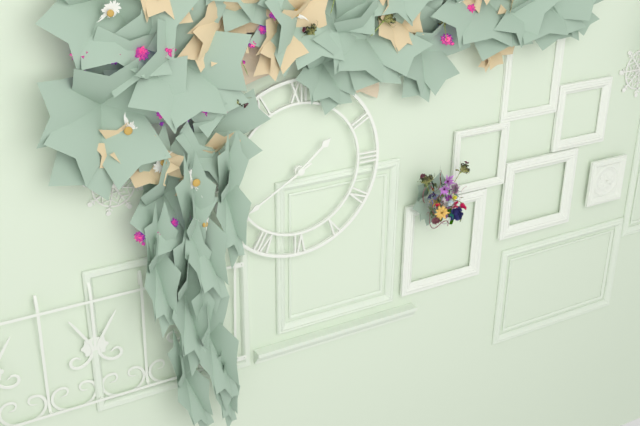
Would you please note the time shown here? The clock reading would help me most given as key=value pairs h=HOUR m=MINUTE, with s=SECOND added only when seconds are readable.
h=1 m=40
